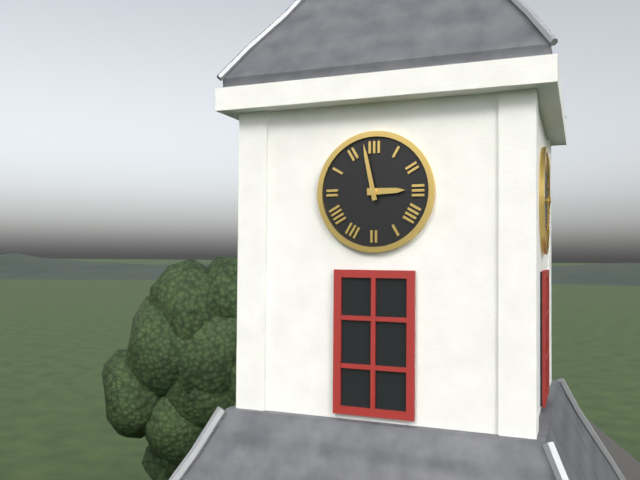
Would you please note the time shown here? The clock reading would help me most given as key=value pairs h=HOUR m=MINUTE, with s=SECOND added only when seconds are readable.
h=2 m=58
